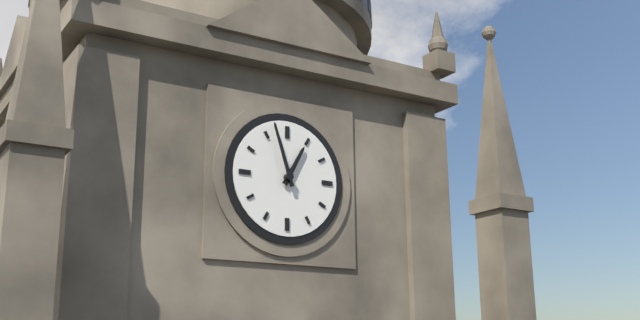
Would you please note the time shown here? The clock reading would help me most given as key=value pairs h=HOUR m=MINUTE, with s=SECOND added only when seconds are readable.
h=12 m=57
